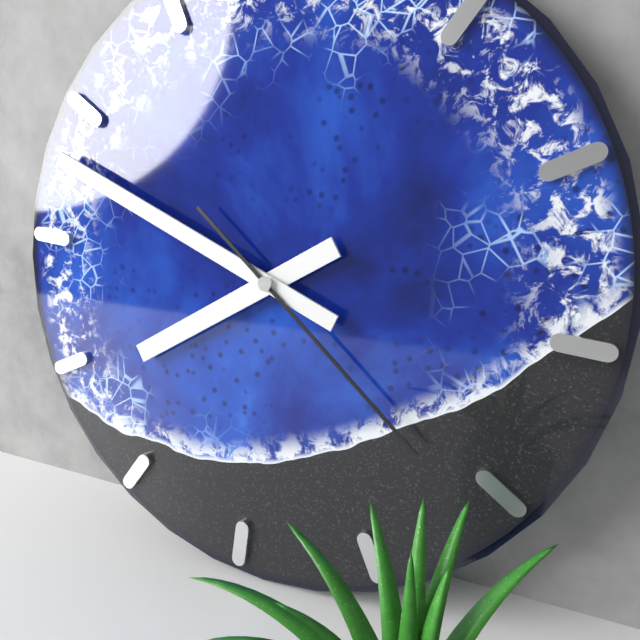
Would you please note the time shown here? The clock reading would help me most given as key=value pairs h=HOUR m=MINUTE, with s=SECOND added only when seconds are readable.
h=7 m=48 s=21
